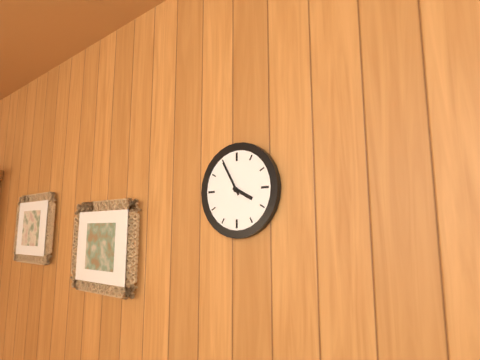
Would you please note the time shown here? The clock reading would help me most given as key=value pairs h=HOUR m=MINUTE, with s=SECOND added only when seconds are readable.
h=3 m=55
